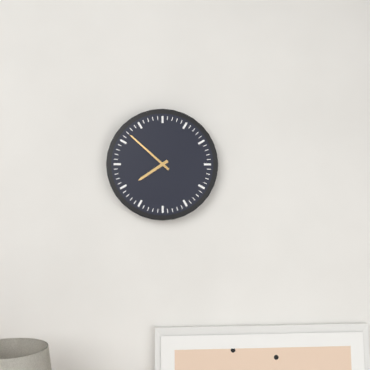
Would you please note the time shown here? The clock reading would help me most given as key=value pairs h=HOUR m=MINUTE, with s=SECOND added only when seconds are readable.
h=7 m=52
